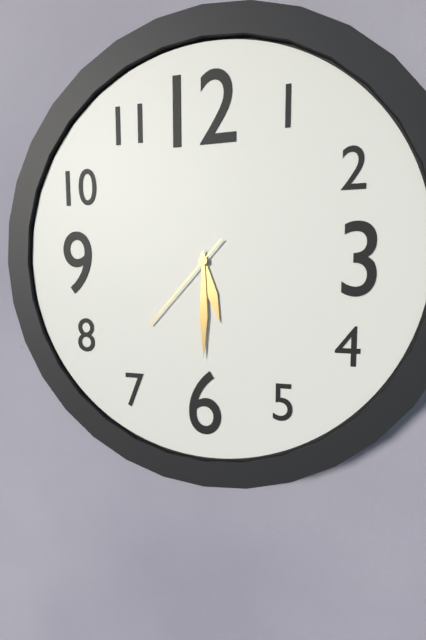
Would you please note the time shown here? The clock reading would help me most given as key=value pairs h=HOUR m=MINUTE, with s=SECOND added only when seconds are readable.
h=5 m=30 s=37
